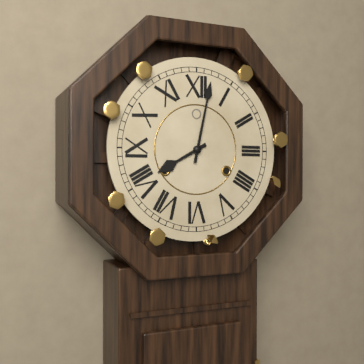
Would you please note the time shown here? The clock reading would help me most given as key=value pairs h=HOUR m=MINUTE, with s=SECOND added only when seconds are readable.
h=8 m=2
